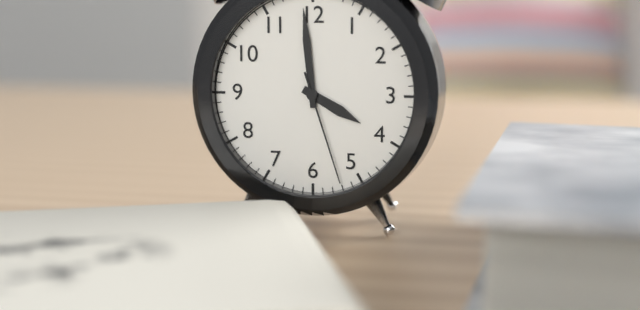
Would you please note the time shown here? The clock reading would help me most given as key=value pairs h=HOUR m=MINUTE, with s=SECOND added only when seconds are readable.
h=3 m=59 s=27
